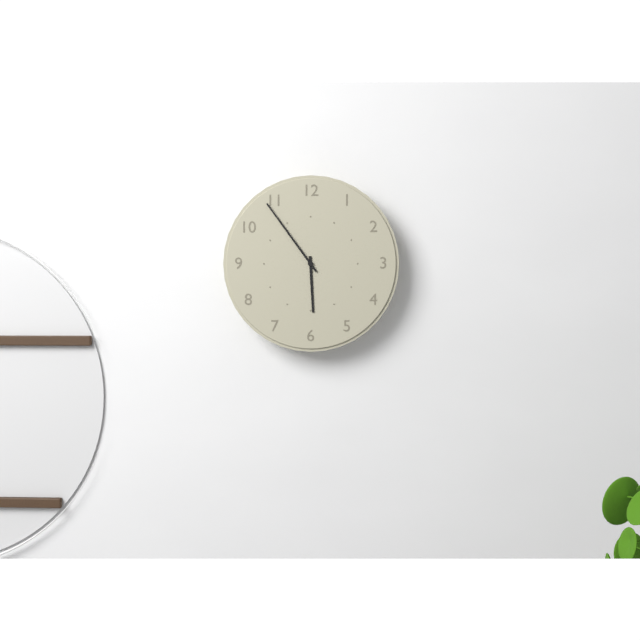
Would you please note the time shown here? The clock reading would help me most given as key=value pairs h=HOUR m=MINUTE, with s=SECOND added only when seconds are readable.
h=5 m=54
